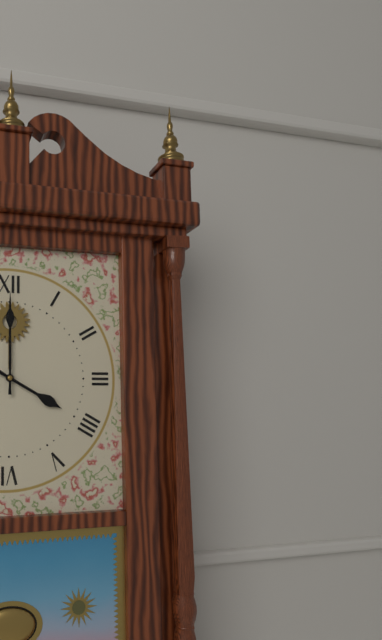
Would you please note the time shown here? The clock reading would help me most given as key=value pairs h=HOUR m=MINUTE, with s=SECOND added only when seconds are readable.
h=4 m=0
